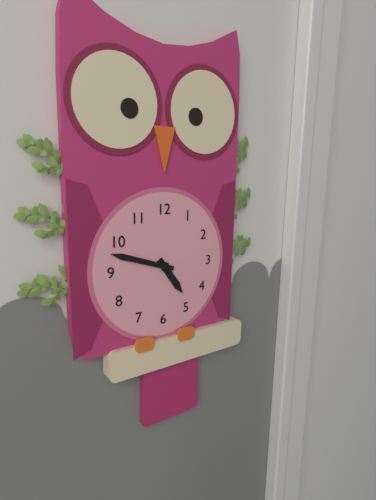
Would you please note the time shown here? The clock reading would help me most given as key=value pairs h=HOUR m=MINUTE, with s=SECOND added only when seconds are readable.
h=4 m=48
